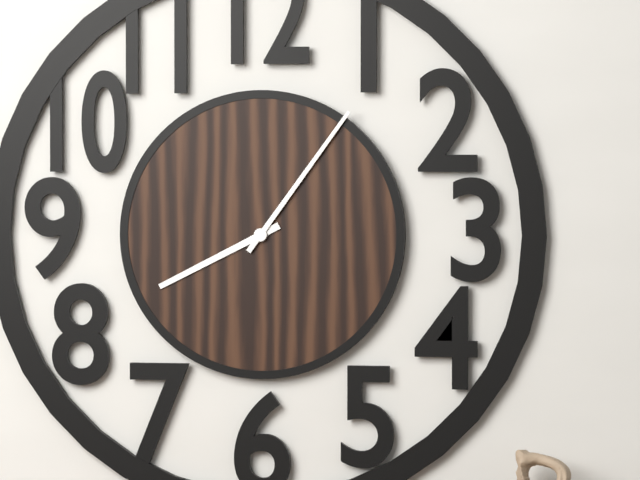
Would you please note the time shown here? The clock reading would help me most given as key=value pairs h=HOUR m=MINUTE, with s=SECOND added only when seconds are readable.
h=8 m=6
